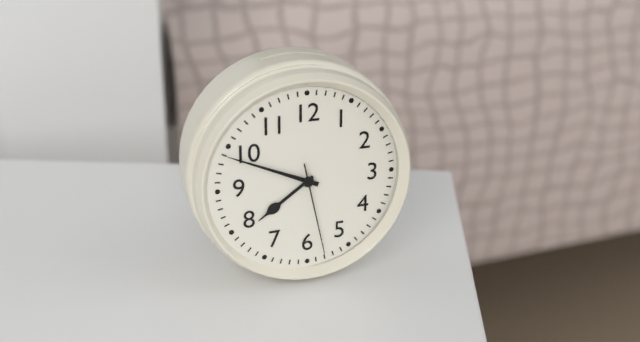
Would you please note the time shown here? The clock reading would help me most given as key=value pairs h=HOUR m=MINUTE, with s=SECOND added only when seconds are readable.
h=7 m=49 s=28
